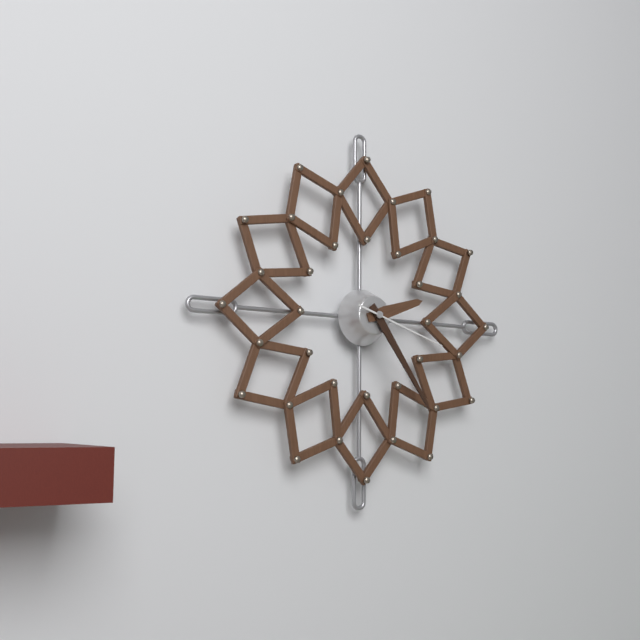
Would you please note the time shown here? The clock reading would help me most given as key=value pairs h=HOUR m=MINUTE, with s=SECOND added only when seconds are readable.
h=2 m=24 s=18
